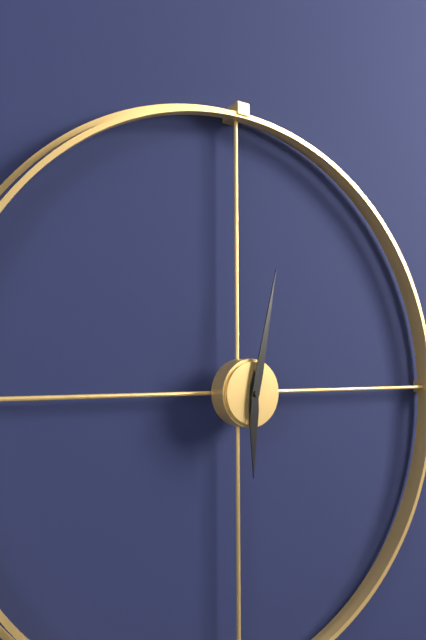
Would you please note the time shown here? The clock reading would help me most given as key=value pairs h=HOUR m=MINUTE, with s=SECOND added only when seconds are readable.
h=6 m=2
